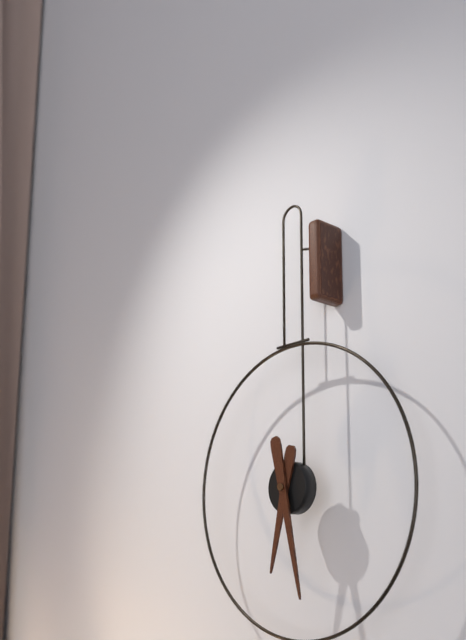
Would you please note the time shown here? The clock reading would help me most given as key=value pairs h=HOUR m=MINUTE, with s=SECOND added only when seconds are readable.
h=6 m=28
